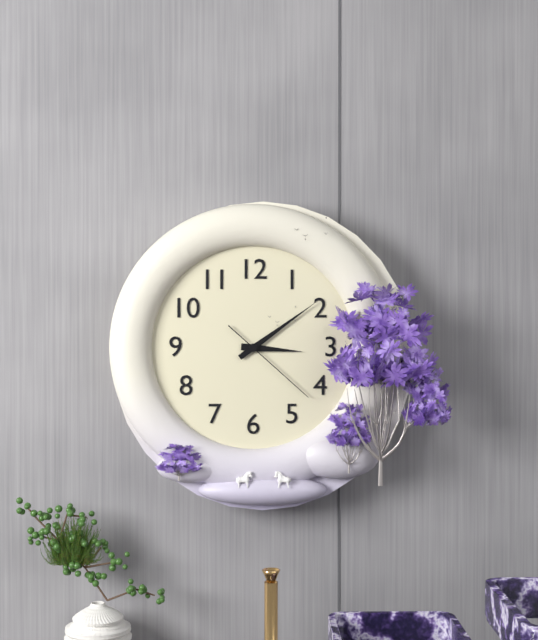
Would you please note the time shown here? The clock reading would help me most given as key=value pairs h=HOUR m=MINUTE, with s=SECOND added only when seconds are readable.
h=3 m=9 s=22
